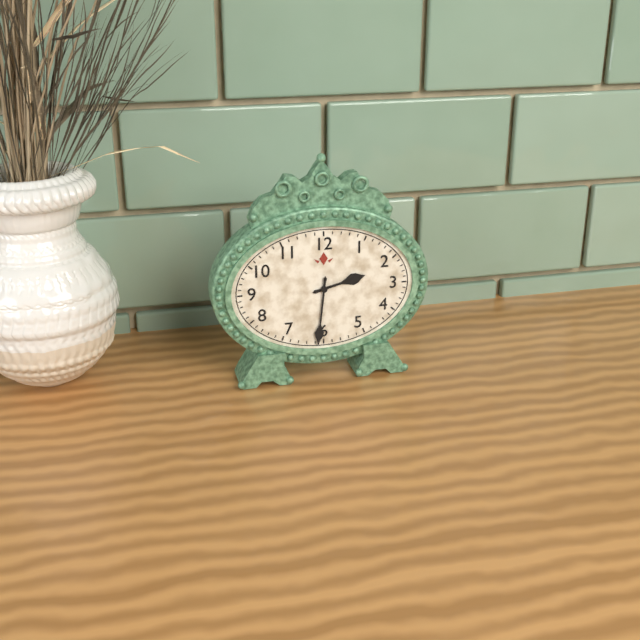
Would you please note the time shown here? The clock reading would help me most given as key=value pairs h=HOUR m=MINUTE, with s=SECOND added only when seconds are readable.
h=2 m=31
